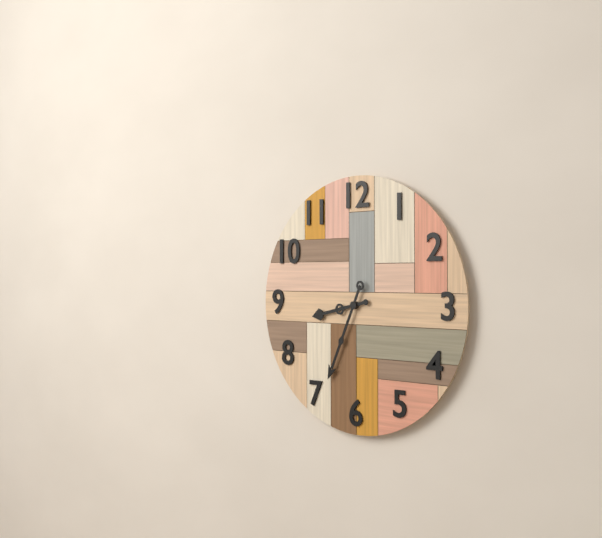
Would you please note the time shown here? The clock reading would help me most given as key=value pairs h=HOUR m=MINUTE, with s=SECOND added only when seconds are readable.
h=8 m=34
